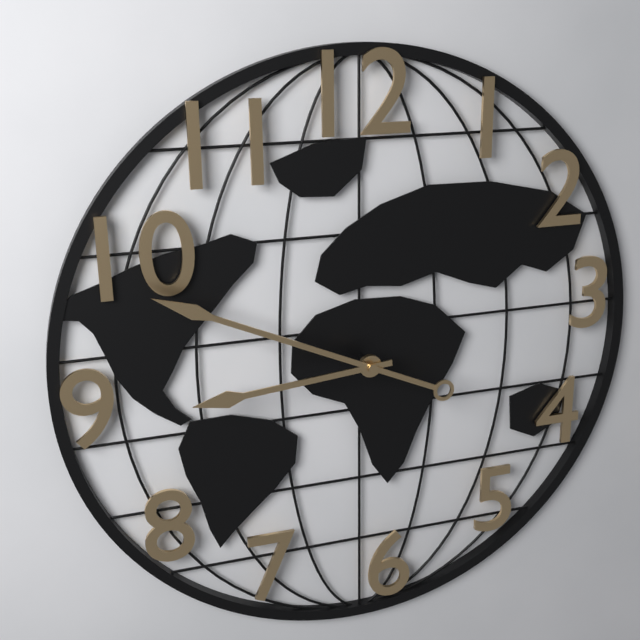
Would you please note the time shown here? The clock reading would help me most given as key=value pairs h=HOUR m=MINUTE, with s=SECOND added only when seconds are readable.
h=8 m=49
